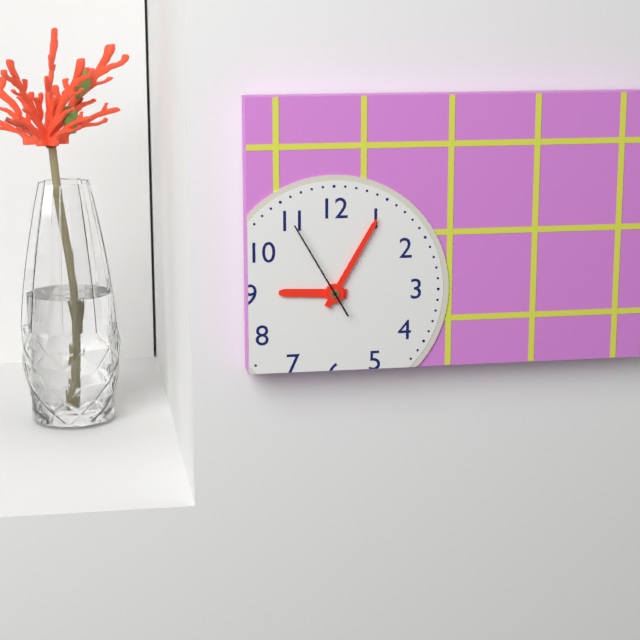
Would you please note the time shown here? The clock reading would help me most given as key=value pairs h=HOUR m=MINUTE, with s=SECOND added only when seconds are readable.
h=9 m=5 s=55
